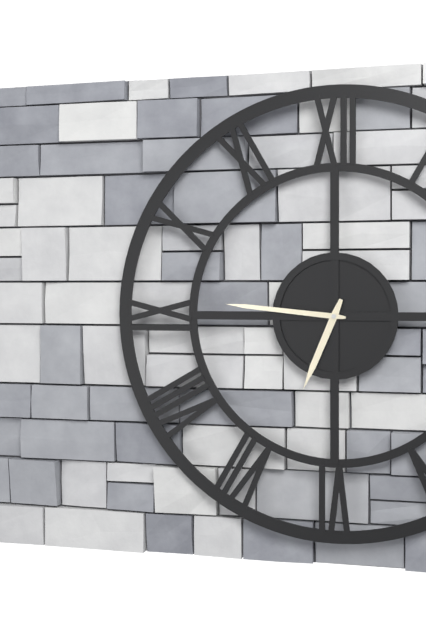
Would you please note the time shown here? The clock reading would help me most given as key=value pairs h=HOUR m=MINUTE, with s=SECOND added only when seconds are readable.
h=6 m=46
